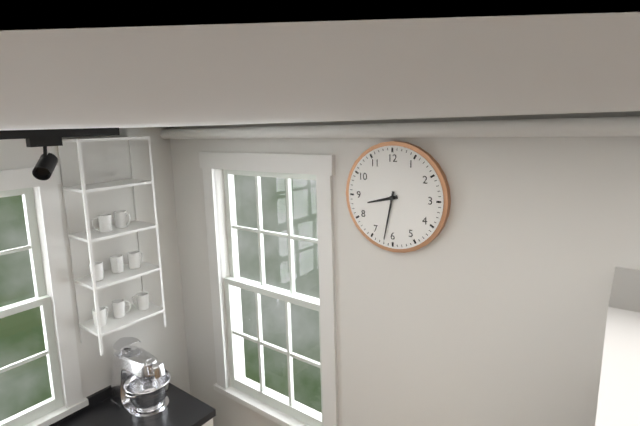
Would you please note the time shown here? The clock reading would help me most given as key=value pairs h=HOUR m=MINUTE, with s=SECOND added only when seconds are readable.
h=8 m=32
